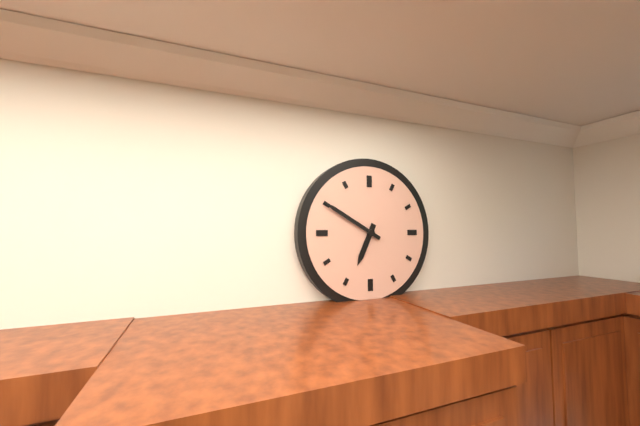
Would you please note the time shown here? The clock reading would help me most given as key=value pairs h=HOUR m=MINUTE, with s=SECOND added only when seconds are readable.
h=6 m=50
